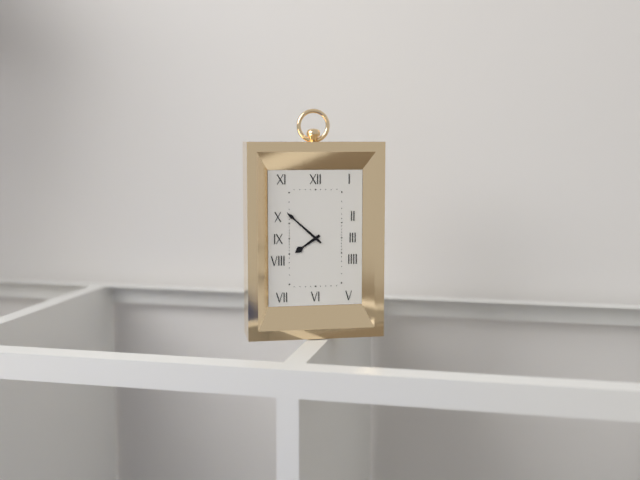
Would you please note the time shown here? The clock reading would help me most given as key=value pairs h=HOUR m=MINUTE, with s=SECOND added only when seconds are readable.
h=7 m=52
